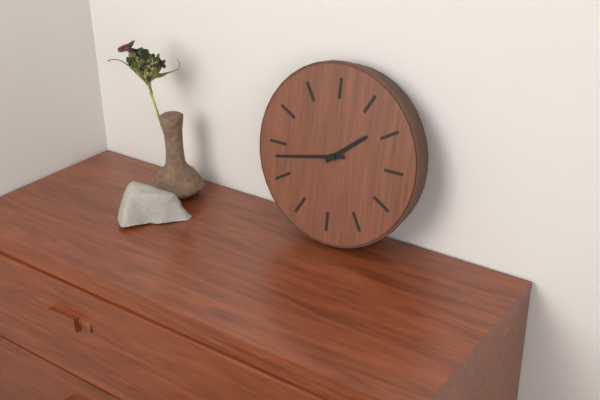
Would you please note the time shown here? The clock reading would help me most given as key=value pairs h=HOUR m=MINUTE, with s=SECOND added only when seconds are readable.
h=1 m=43
